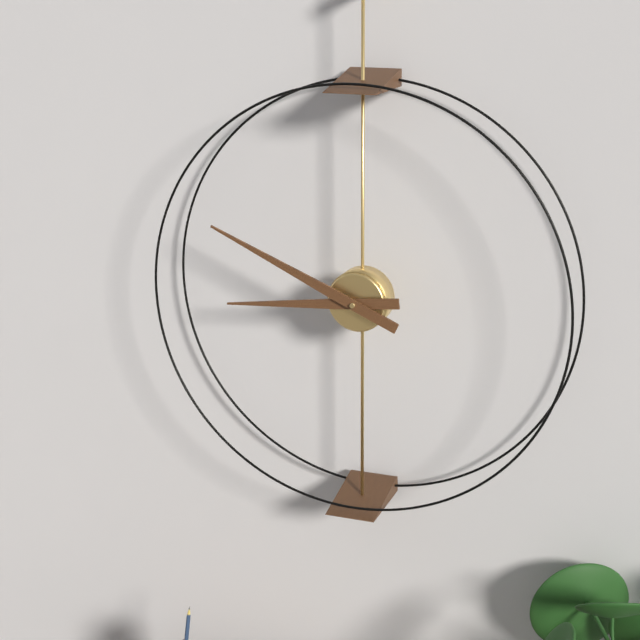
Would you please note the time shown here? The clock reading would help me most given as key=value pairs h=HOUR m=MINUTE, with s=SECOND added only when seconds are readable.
h=8 m=49
